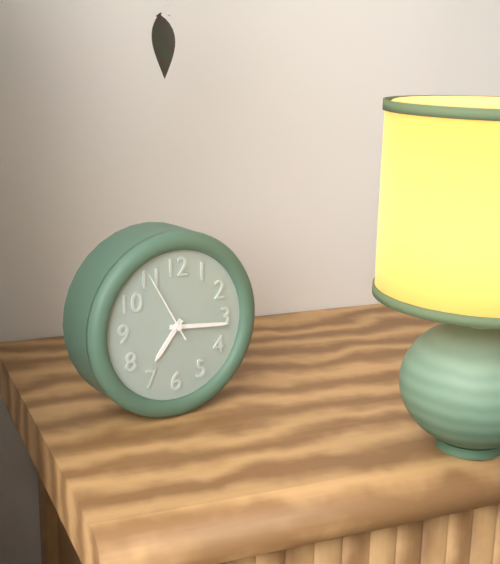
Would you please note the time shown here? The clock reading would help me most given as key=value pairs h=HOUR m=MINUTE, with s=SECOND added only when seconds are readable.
h=7 m=16 s=55
